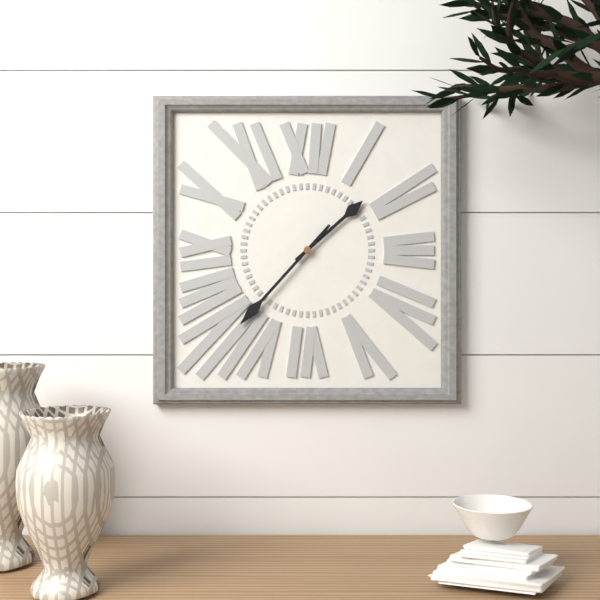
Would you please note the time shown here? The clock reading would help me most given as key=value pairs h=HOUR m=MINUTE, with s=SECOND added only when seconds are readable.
h=1 m=37
